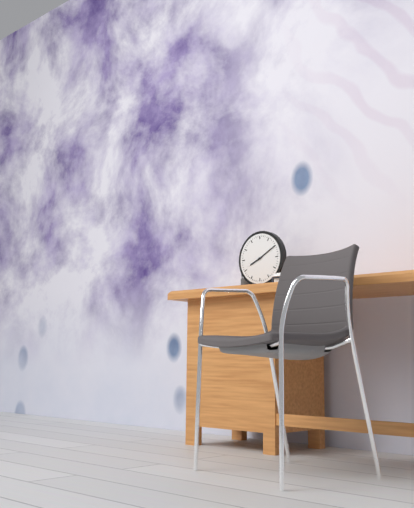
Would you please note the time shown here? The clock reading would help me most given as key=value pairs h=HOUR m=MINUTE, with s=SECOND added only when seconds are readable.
h=8 m=10
